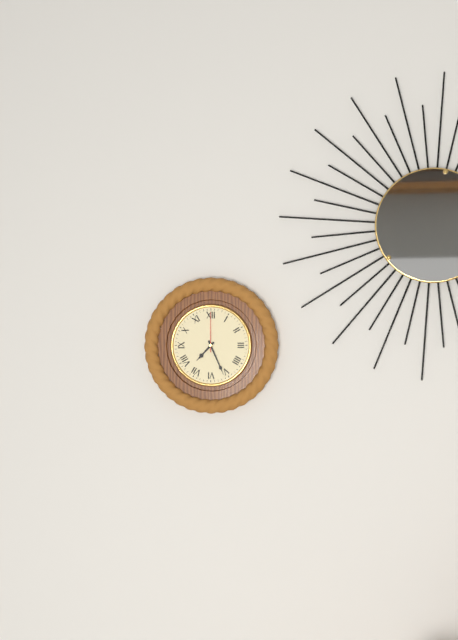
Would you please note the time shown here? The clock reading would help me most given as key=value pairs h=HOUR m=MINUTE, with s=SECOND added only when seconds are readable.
h=7 m=26
